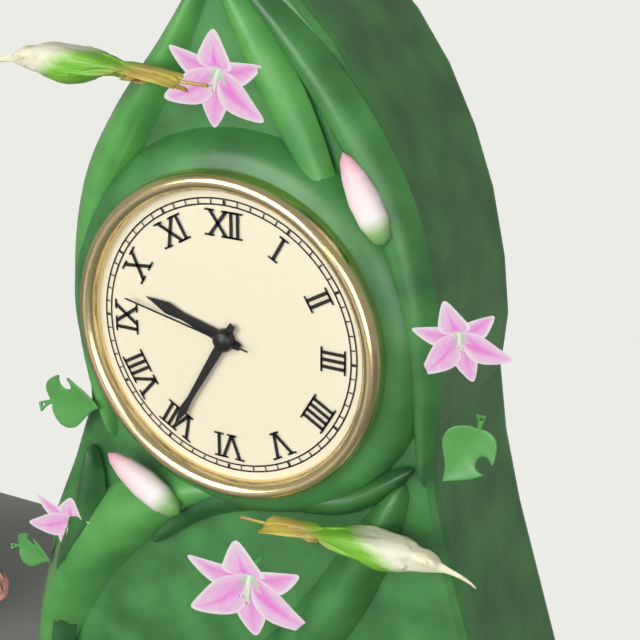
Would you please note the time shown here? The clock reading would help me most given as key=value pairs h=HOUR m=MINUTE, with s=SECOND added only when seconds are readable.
h=9 m=35 s=47
